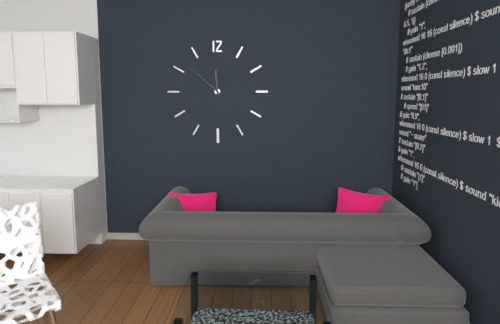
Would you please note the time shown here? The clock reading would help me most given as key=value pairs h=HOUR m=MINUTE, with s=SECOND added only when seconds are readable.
h=11 m=52
